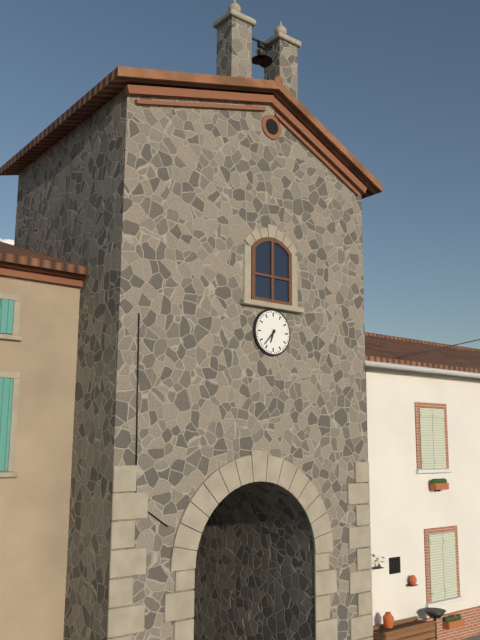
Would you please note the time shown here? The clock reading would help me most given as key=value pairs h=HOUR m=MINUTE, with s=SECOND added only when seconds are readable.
h=6 m=37
